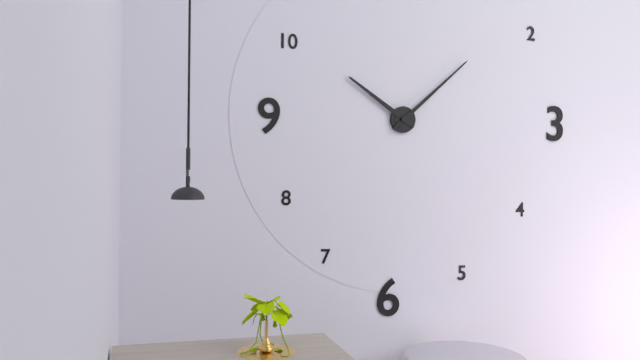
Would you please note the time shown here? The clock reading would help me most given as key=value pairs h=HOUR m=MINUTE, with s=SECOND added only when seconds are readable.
h=10 m=8
